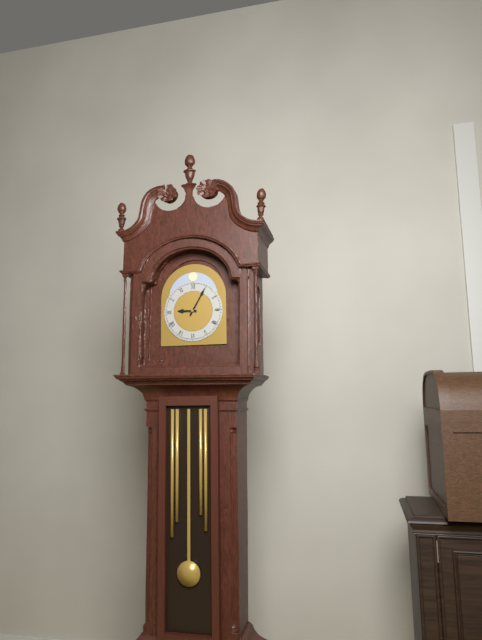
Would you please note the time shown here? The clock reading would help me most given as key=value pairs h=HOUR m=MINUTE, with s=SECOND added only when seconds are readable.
h=9 m=5
